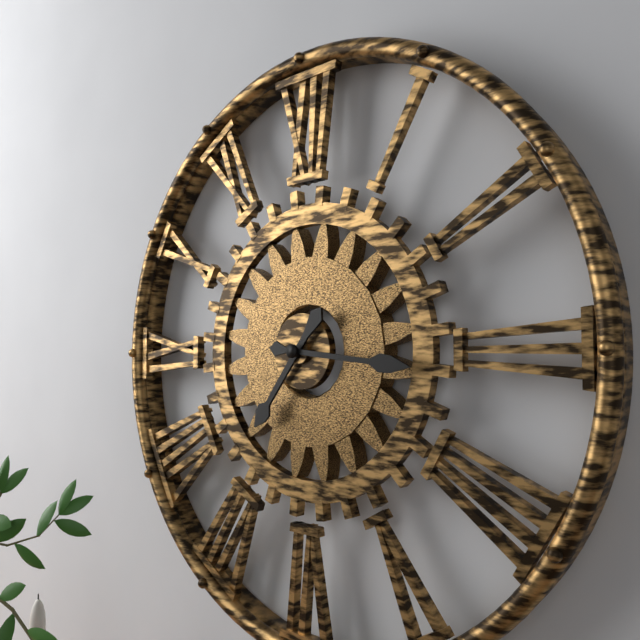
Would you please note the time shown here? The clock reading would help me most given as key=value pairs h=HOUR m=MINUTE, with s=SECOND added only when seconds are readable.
h=7 m=16
